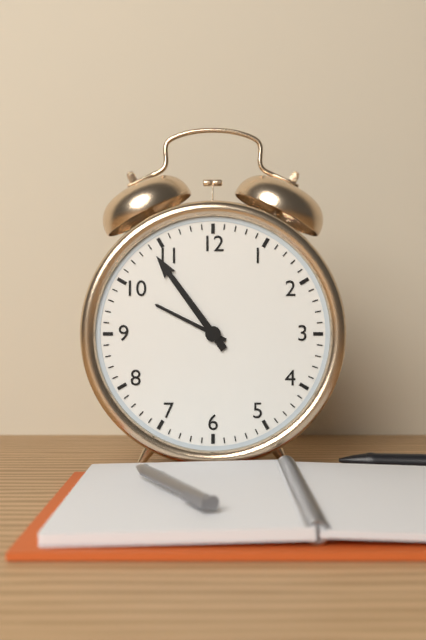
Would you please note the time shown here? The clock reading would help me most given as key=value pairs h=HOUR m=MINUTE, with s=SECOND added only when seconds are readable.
h=9 m=54
